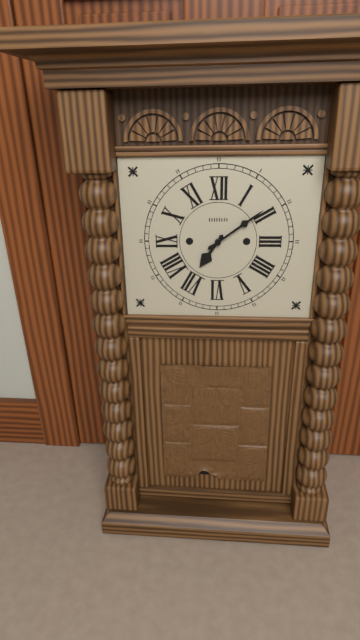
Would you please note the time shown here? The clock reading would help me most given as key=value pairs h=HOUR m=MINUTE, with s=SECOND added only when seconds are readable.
h=7 m=9
